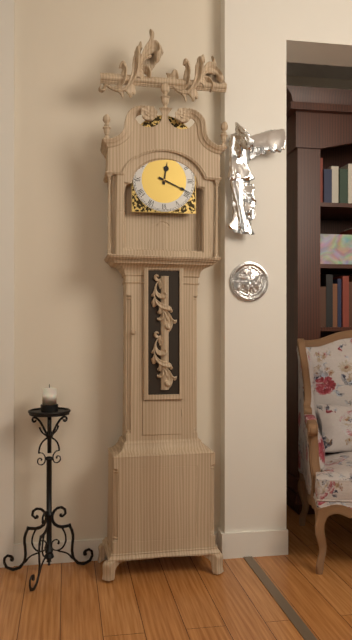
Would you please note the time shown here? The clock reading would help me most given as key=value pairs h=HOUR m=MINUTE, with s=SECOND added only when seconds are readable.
h=12 m=19
